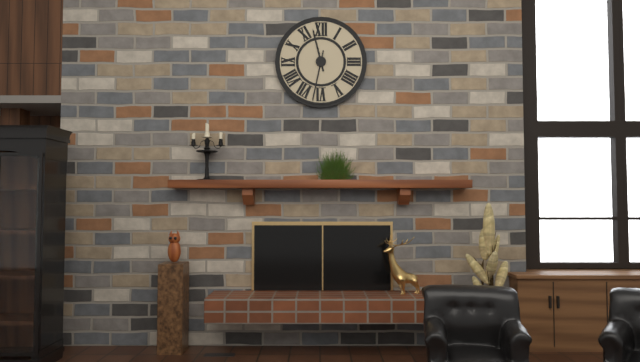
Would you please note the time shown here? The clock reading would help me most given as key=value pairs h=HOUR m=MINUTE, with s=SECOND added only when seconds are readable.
h=11 m=32
